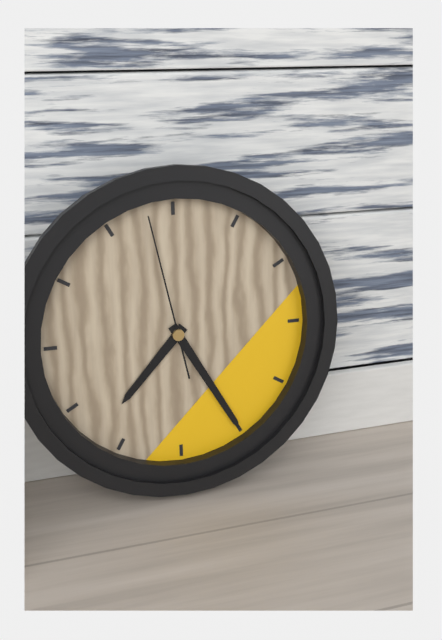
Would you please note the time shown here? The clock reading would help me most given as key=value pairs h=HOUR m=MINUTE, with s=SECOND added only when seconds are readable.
h=7 m=25 s=58
